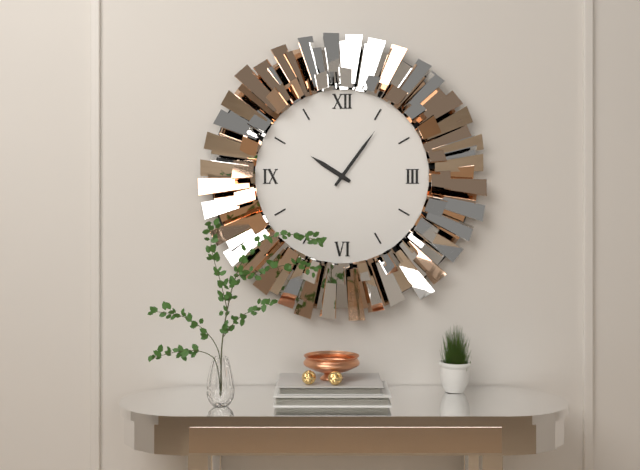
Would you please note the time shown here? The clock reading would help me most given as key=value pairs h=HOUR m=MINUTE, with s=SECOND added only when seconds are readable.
h=10 m=6
